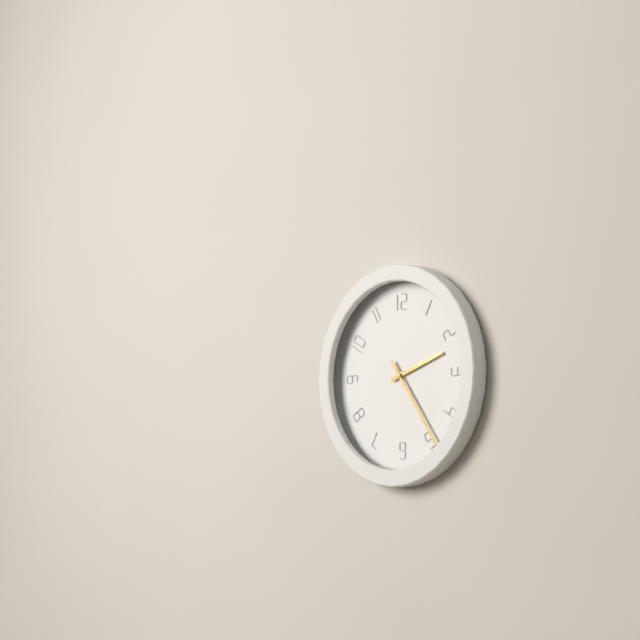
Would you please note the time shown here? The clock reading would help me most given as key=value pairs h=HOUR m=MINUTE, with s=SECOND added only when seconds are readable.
h=2 m=24
